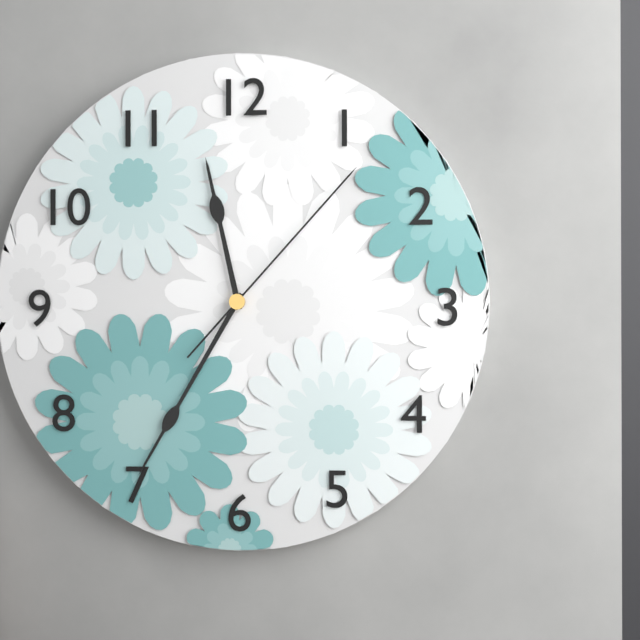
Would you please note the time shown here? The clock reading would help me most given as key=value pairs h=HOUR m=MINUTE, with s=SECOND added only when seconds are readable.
h=11 m=35 s=7
